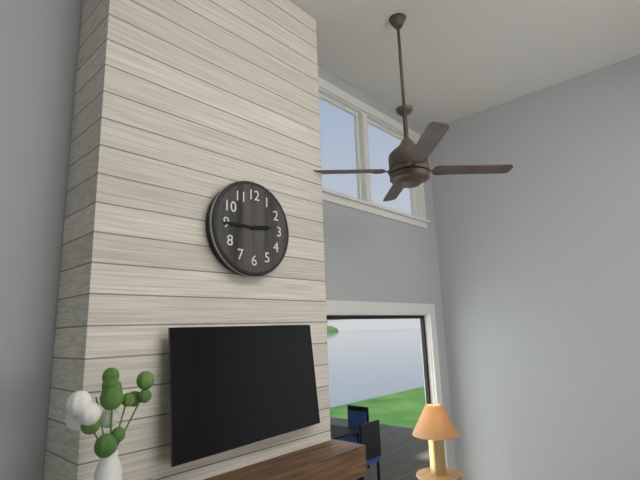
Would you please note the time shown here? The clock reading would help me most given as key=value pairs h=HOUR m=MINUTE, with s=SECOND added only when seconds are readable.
h=2 m=45
